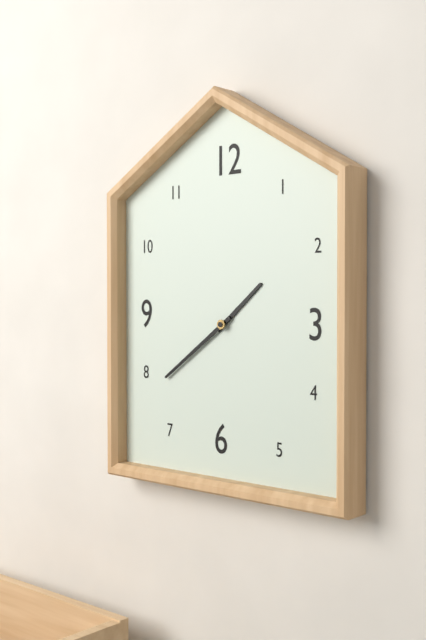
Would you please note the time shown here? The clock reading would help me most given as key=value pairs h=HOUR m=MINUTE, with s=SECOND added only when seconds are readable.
h=1 m=39
